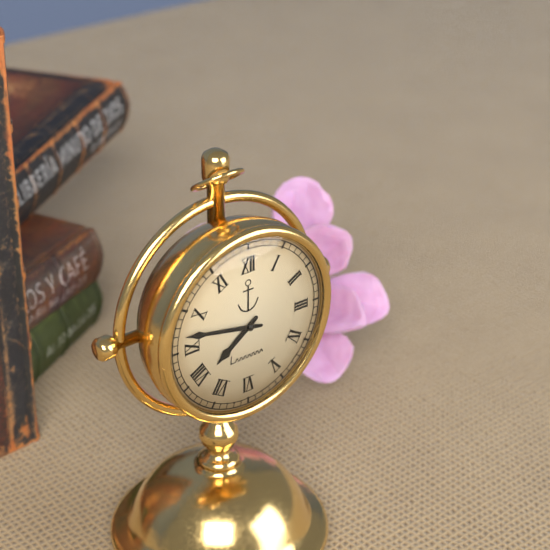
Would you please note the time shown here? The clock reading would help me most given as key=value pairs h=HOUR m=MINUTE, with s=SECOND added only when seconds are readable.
h=7 m=47
